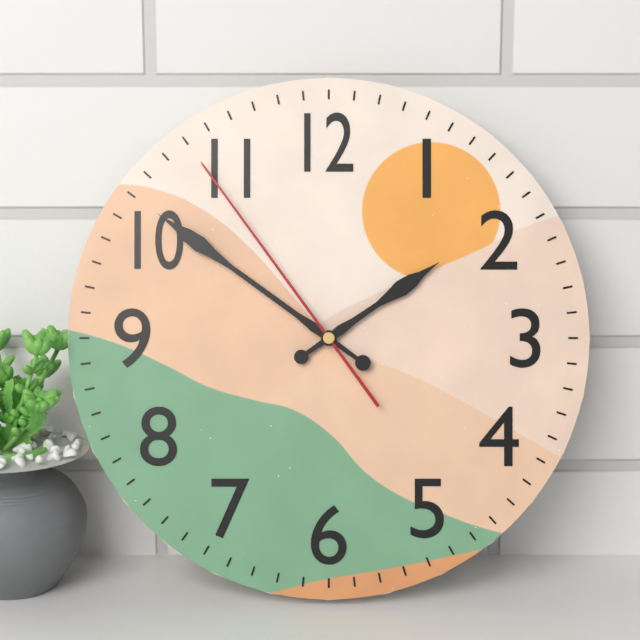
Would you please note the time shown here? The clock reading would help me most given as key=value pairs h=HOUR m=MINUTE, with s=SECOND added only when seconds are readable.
h=1 m=51 s=54
